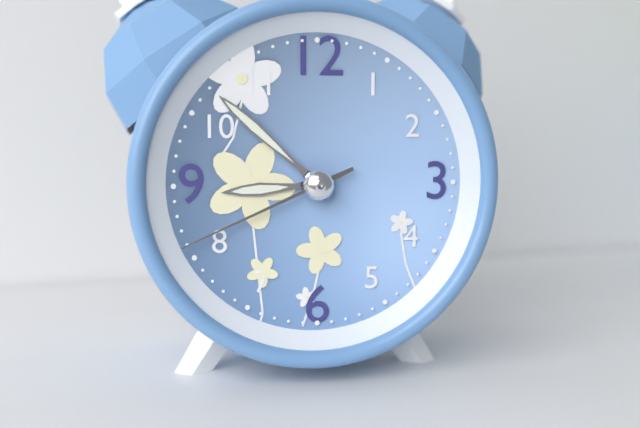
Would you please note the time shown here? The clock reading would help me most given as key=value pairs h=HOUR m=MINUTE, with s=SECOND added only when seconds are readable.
h=8 m=52 s=41
